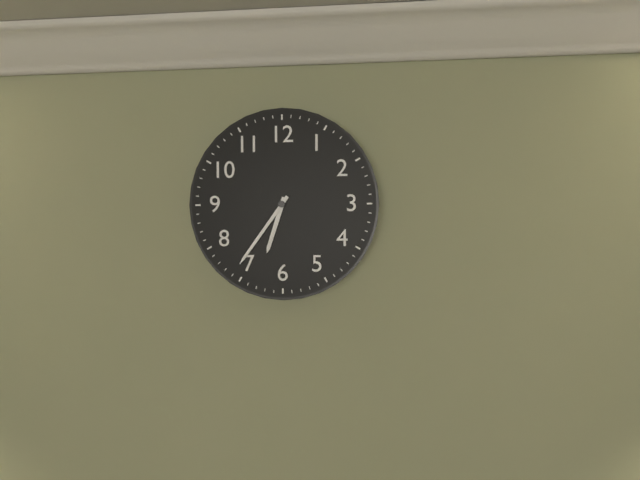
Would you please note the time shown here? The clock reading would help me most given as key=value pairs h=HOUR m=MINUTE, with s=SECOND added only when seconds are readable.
h=6 m=36
